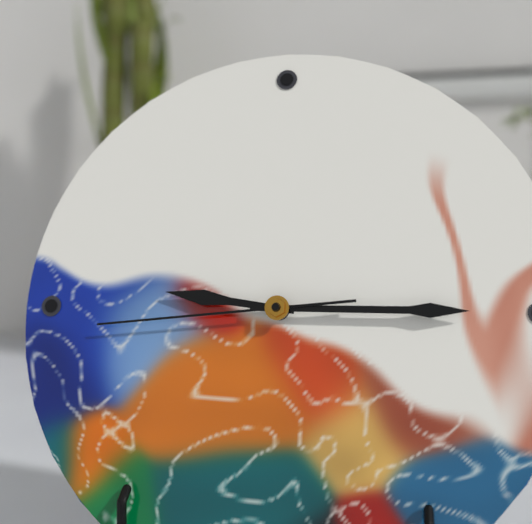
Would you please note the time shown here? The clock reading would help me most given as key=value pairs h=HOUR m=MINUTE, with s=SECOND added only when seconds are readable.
h=9 m=15 s=44
